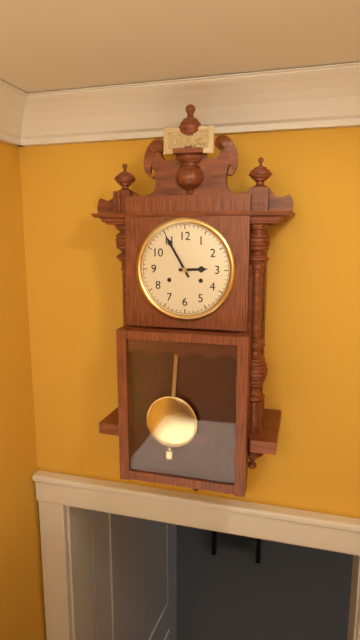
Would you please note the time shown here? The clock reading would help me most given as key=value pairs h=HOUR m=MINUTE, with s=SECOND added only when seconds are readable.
h=2 m=55
